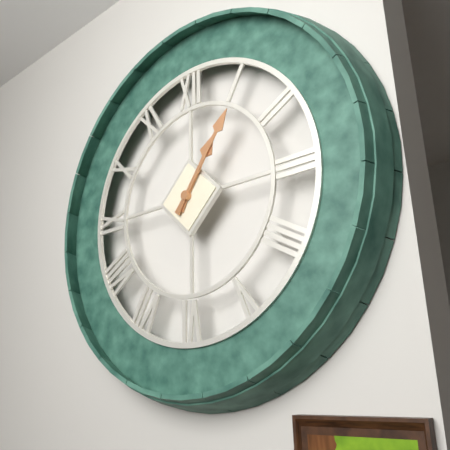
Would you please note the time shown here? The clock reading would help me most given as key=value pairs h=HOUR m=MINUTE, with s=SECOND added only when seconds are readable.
h=1 m=6
